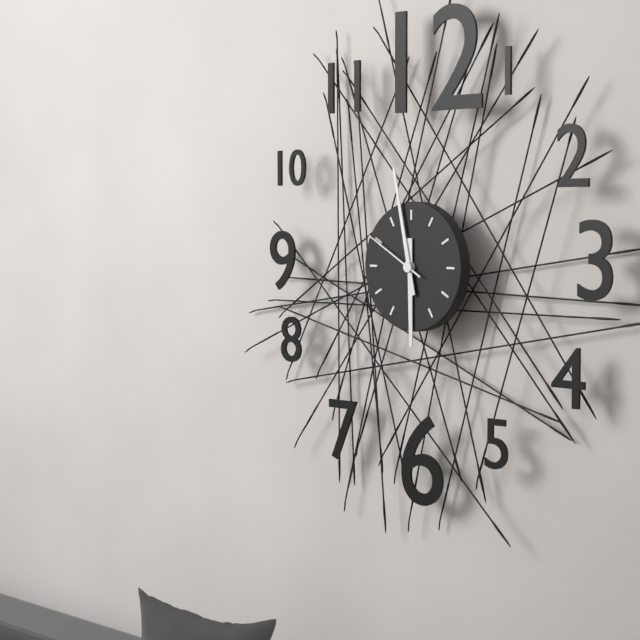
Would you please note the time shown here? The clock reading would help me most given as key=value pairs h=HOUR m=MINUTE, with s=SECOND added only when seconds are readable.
h=5 m=58 s=50
